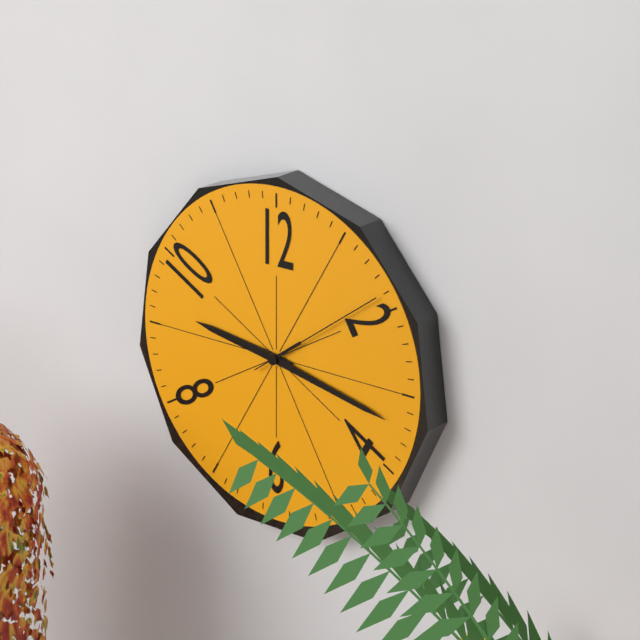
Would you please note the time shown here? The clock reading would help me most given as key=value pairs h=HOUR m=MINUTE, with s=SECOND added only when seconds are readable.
h=9 m=17 s=9
